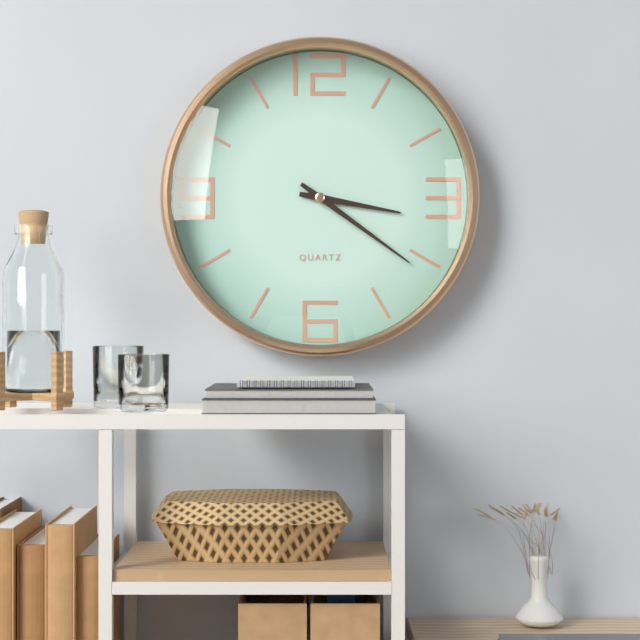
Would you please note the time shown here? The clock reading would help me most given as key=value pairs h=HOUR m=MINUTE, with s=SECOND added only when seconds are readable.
h=3 m=21
